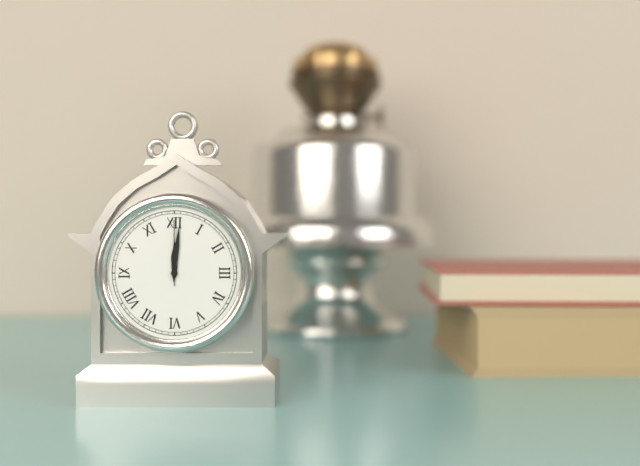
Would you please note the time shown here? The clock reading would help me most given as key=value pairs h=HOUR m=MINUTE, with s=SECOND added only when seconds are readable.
h=12 m=1 s=0
